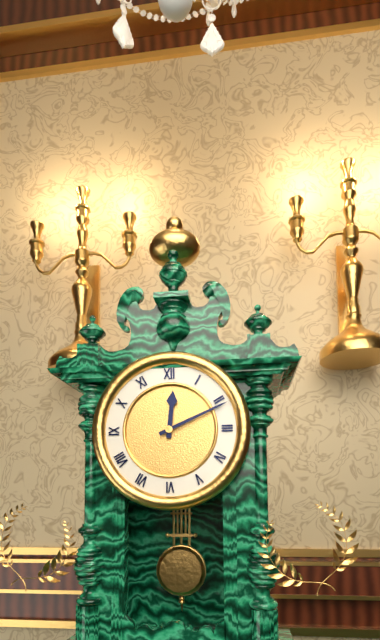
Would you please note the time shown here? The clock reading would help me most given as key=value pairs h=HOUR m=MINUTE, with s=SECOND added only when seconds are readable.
h=12 m=11
